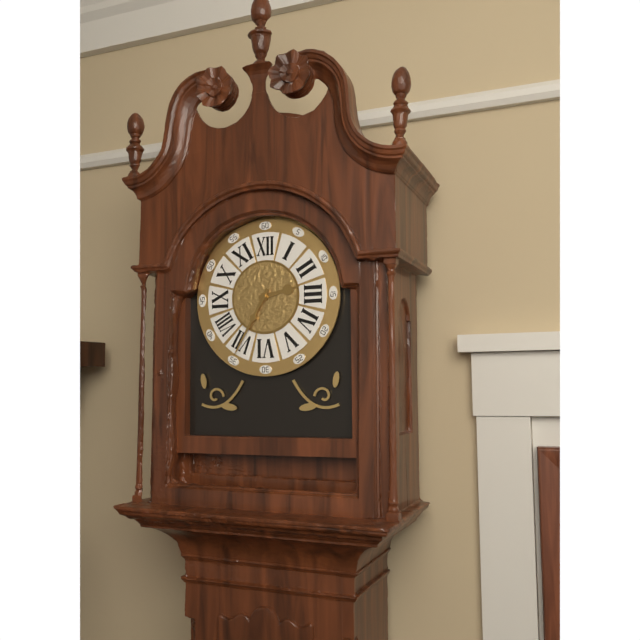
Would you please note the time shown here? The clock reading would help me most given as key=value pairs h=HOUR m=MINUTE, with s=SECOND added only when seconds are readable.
h=2 m=35
